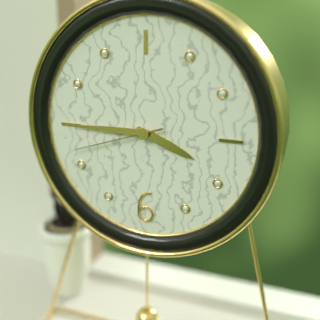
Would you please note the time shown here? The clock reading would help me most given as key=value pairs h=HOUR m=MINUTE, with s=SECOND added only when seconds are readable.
h=3 m=45 s=42
